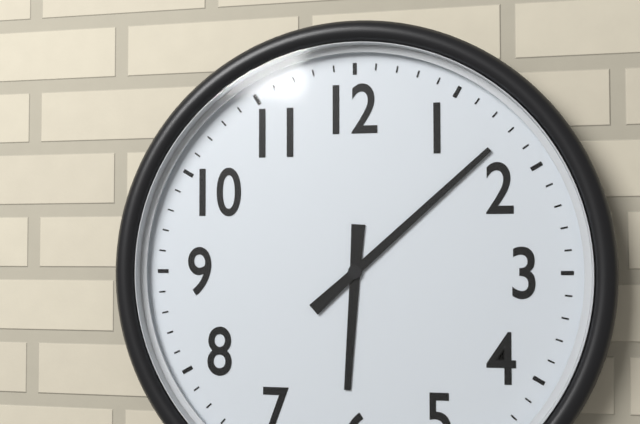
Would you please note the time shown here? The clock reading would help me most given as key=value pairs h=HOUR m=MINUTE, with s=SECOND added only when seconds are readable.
h=6 m=8
